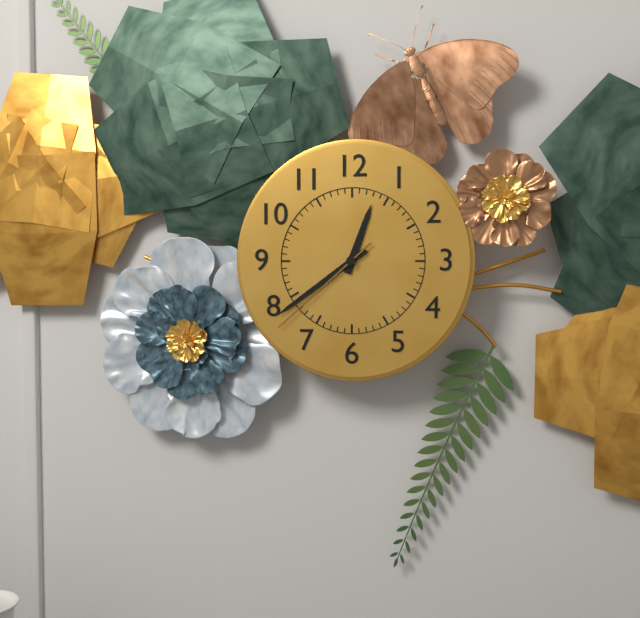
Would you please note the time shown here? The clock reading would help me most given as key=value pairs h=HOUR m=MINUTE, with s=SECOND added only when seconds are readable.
h=12 m=39 s=38
